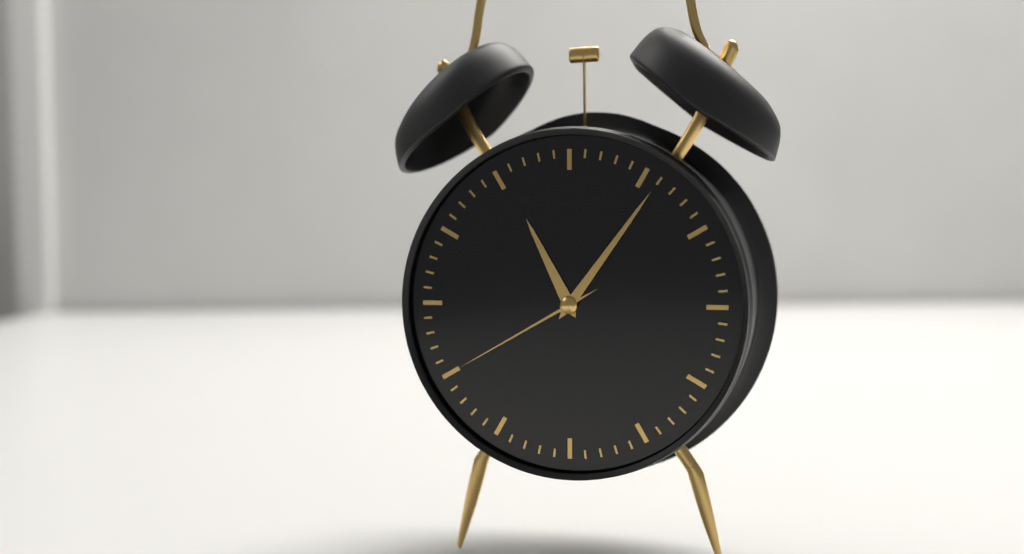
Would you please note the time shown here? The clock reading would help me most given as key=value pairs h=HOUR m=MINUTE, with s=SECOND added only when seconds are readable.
h=11 m=6 s=40
